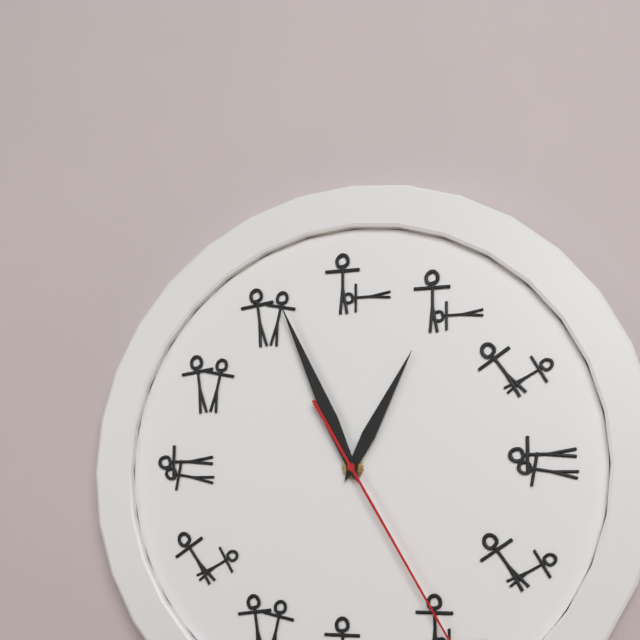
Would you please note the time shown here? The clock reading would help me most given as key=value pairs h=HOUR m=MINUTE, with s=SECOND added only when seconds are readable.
h=12 m=56
